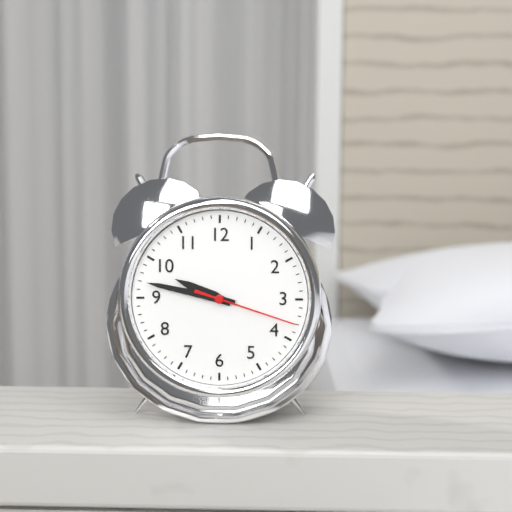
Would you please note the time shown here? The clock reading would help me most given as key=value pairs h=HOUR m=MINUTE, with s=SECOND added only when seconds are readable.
h=9 m=47 s=18
